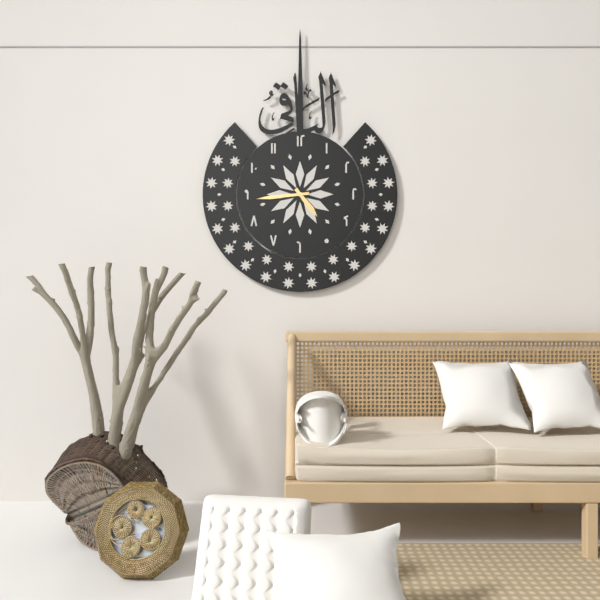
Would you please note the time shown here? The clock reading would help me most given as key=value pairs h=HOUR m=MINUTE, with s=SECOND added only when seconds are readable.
h=4 m=44
